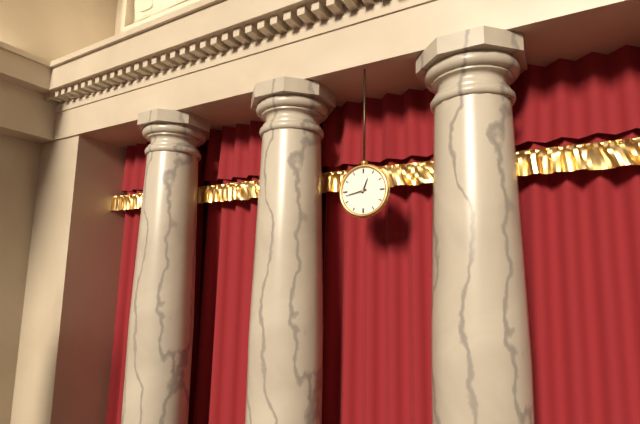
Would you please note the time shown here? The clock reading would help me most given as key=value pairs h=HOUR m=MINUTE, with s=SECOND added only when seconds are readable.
h=12 m=43
